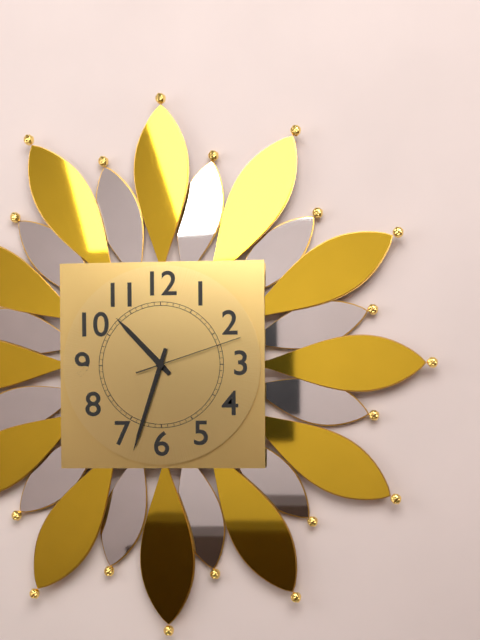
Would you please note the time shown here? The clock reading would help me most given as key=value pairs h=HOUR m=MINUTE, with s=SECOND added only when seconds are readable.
h=10 m=33 s=12
